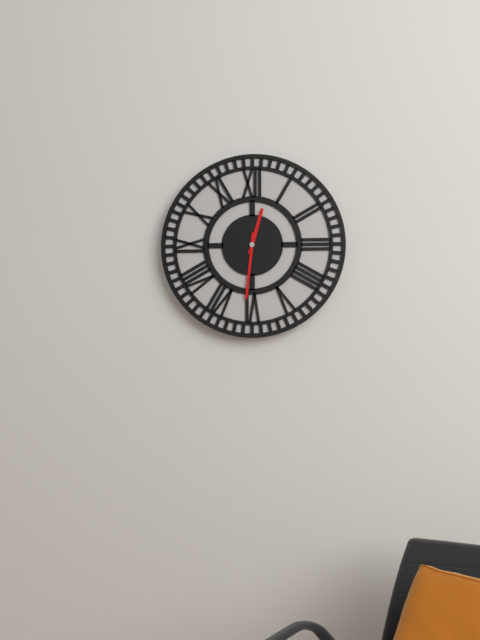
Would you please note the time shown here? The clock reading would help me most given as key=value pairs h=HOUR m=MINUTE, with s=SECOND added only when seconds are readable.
h=12 m=31
